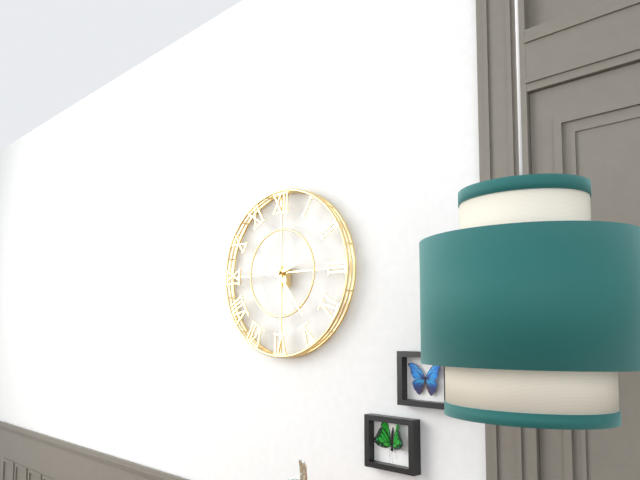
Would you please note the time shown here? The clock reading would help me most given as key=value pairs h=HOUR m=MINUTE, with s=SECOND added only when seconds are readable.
h=2 m=24
